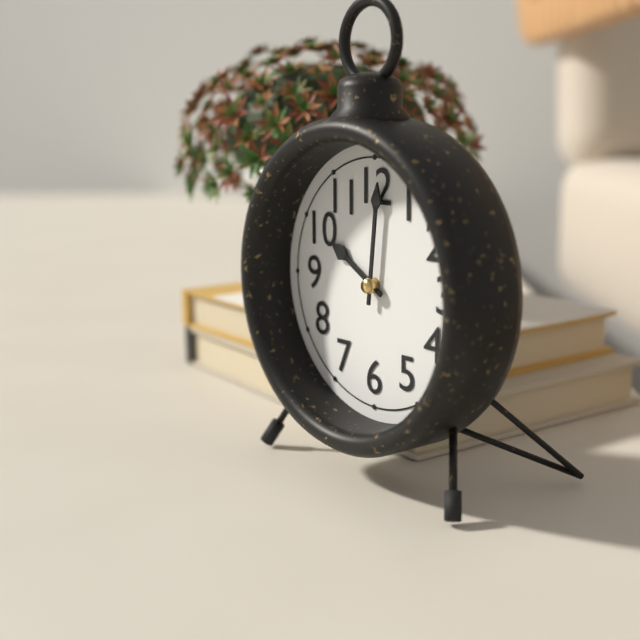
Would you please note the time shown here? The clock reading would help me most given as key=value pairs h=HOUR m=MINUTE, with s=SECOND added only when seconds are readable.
h=10 m=1
